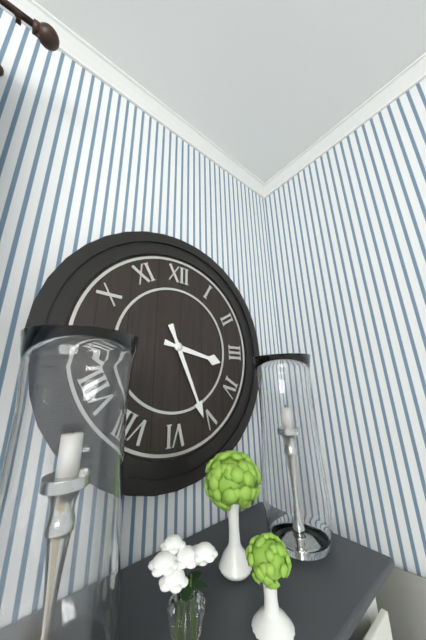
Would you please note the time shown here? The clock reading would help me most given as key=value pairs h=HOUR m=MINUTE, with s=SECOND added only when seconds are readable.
h=3 m=26
